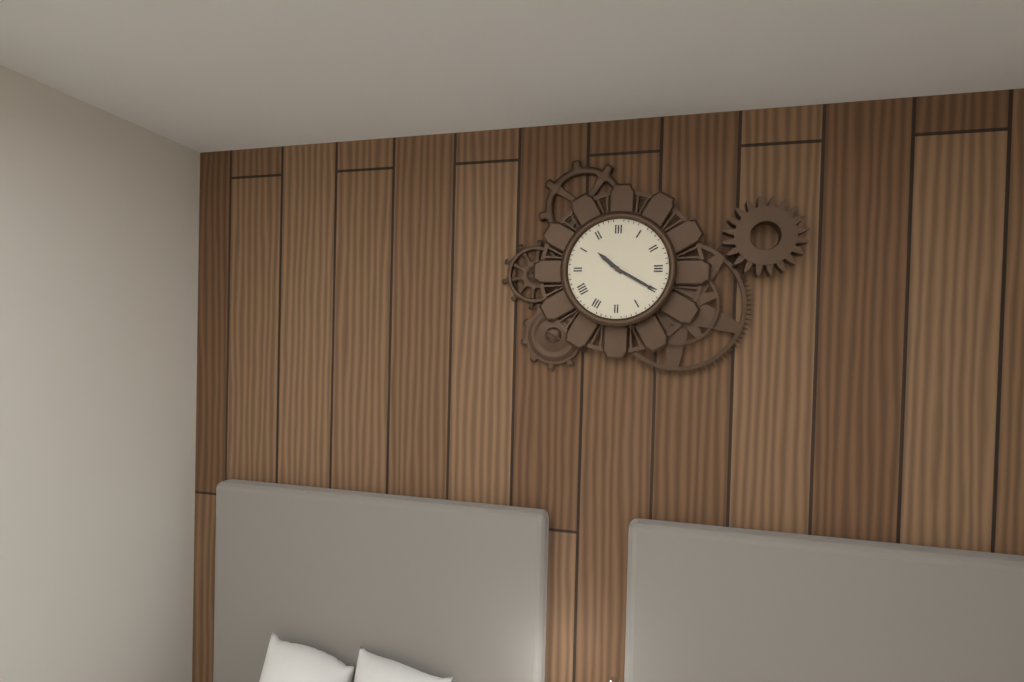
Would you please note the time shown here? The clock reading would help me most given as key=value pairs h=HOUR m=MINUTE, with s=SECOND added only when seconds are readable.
h=10 m=20
